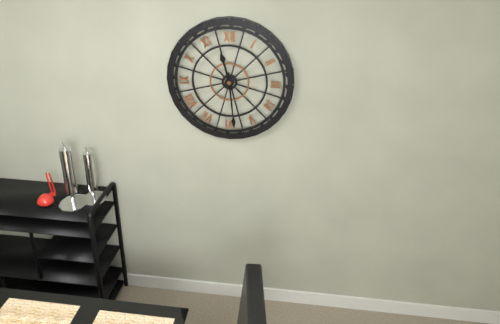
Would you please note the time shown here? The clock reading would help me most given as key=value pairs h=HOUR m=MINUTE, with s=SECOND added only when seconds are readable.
h=11 m=29
